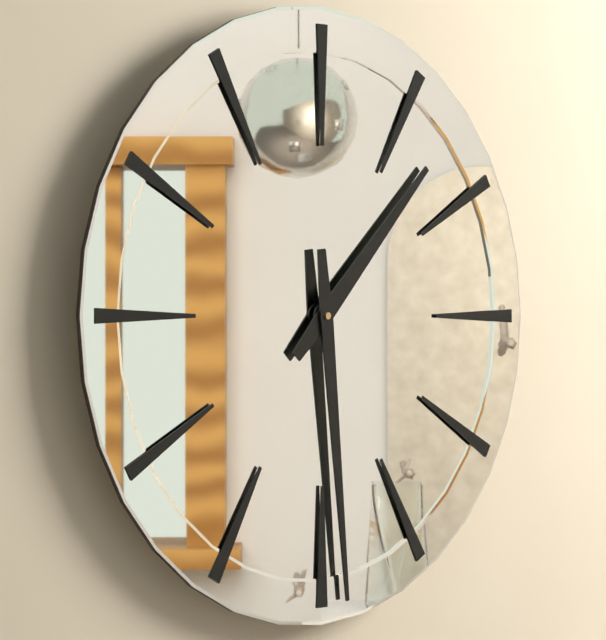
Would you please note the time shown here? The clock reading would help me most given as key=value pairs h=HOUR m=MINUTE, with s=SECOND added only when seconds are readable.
h=1 m=29
